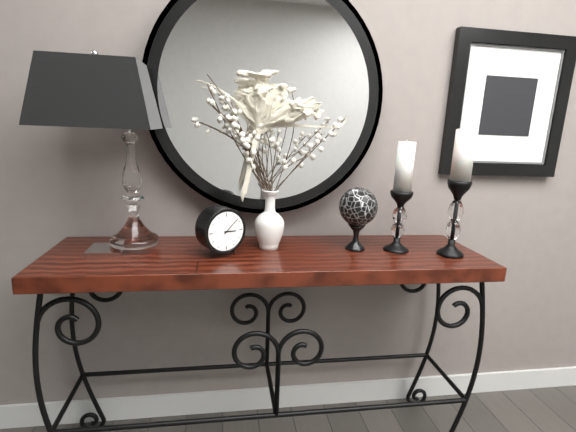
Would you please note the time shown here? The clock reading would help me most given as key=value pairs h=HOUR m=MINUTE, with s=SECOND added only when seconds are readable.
h=3 m=8
